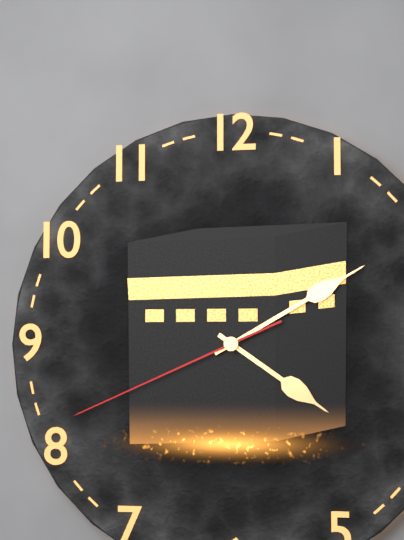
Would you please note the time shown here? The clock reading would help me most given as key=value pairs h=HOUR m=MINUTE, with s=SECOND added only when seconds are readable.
h=4 m=10 s=41
